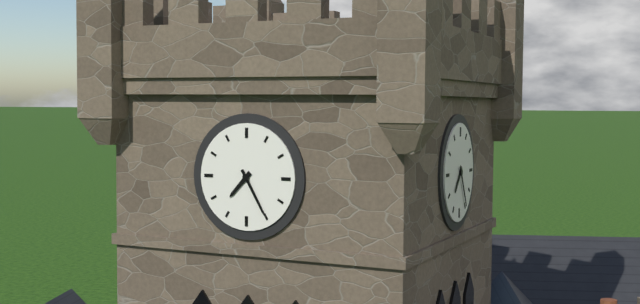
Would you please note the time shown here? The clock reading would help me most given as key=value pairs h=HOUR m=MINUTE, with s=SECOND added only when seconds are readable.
h=7 m=25
